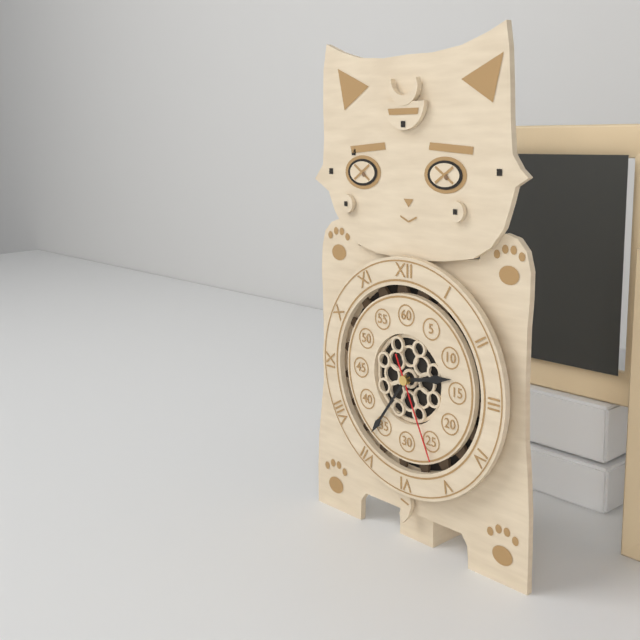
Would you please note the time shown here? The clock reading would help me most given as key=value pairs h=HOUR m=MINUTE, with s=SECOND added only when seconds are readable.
h=2 m=36 s=26
